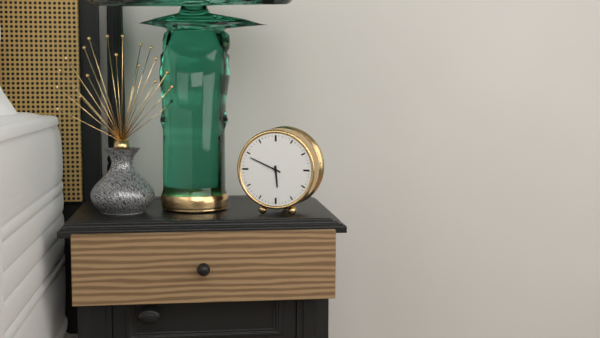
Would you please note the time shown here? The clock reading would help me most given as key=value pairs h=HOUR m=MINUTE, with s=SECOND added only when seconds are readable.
h=5 m=49
